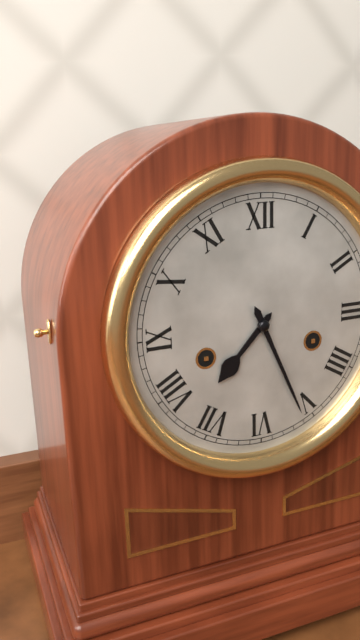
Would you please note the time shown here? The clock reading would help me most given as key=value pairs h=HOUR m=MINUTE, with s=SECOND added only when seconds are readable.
h=7 m=26
